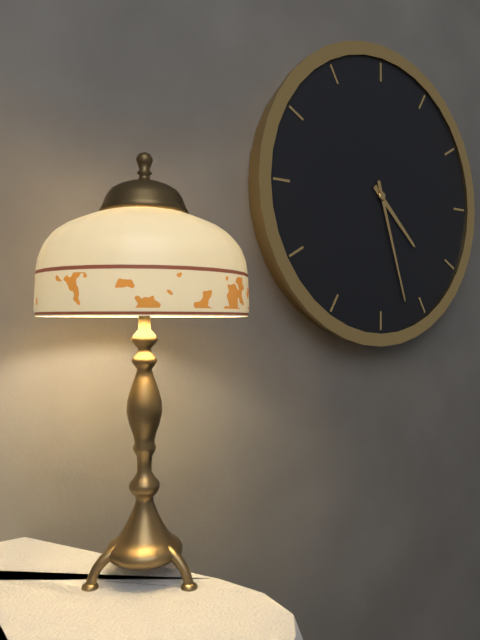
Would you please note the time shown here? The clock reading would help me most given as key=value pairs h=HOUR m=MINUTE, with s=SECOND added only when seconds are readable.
h=4 m=27
